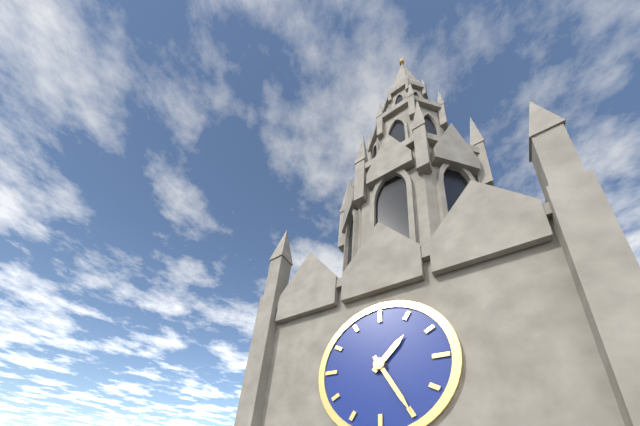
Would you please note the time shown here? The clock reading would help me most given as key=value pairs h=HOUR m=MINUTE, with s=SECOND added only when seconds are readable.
h=1 m=25
